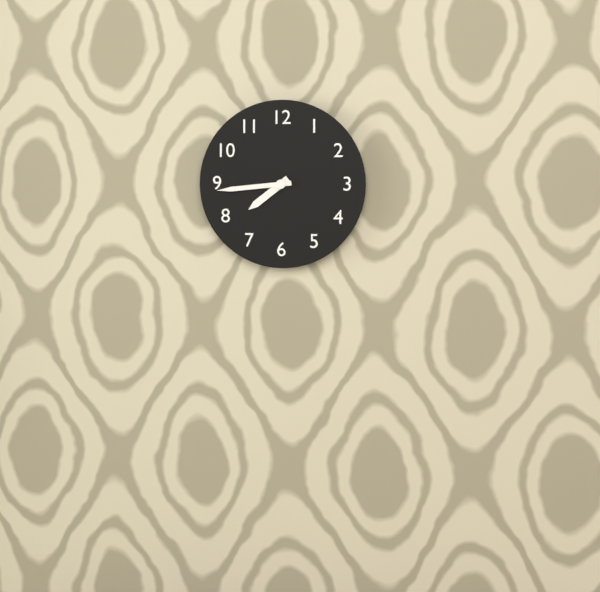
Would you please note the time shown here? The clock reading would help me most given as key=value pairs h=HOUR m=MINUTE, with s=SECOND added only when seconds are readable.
h=7 m=44
